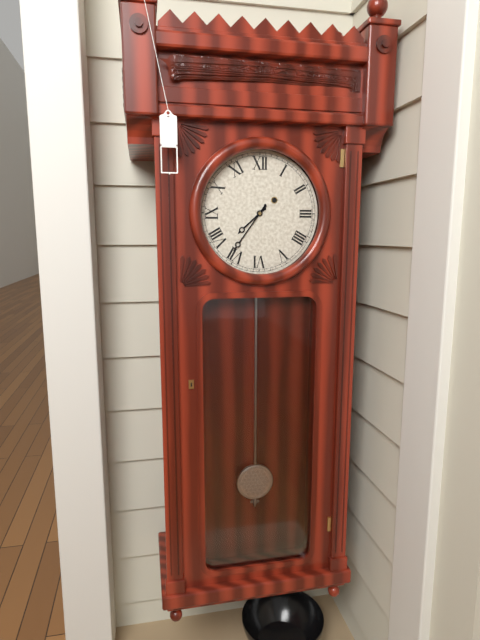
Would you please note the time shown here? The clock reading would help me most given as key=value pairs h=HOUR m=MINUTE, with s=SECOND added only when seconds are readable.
h=7 m=36
